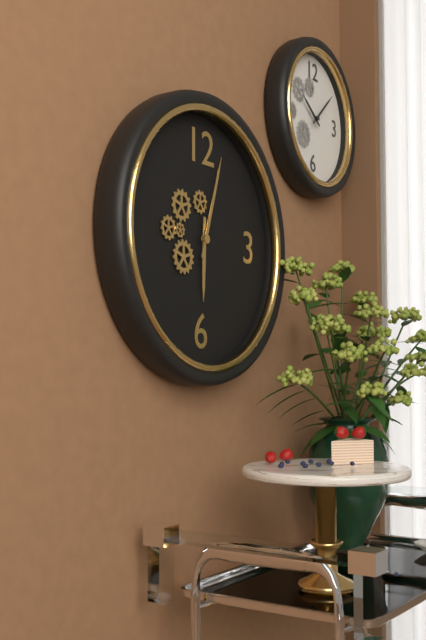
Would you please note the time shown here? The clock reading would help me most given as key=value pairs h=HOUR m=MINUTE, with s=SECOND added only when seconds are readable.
h=6 m=3
